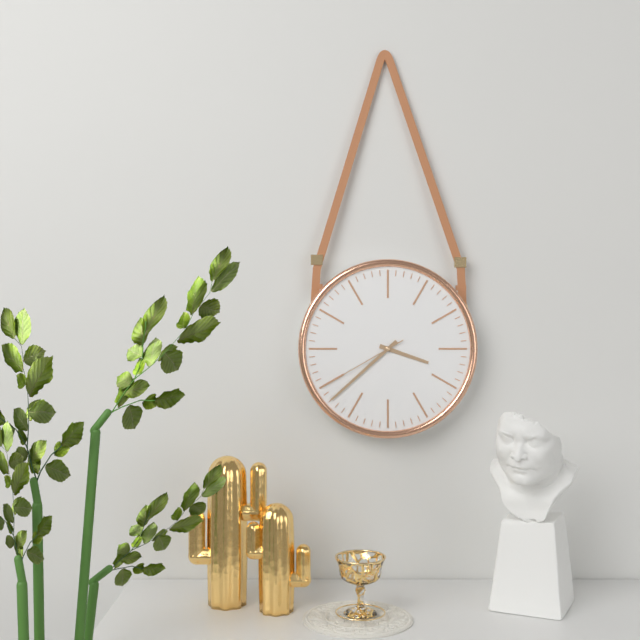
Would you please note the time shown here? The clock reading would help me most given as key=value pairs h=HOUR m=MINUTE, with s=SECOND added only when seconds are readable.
h=3 m=38 s=40
